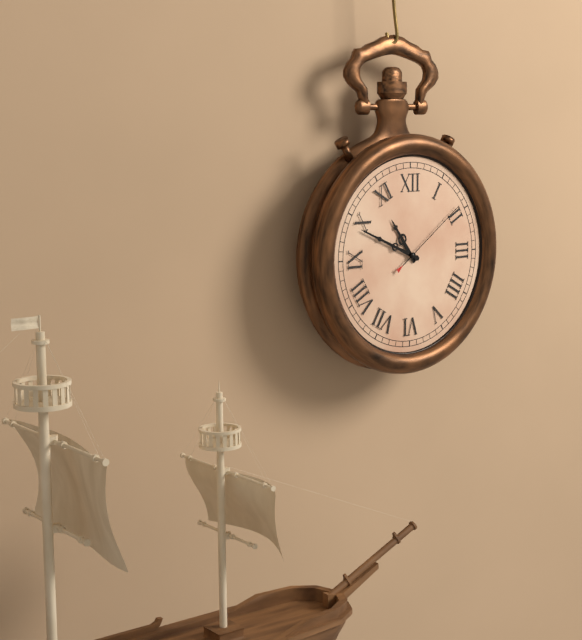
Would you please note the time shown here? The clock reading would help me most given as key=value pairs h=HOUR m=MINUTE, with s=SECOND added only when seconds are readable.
h=10 m=49 s=9
